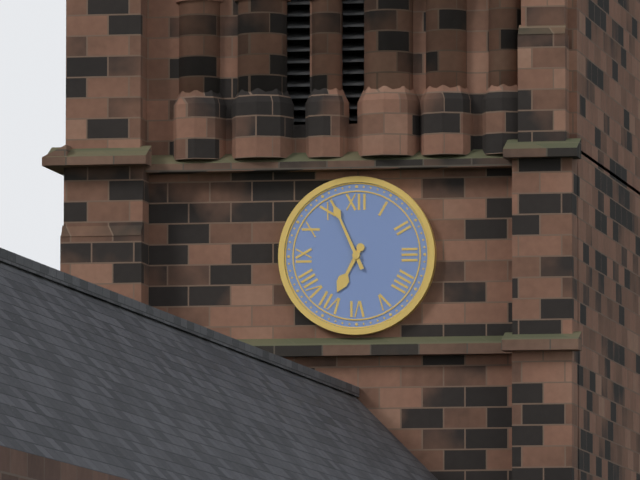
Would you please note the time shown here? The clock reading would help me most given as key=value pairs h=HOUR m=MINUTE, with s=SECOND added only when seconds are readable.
h=6 m=56
